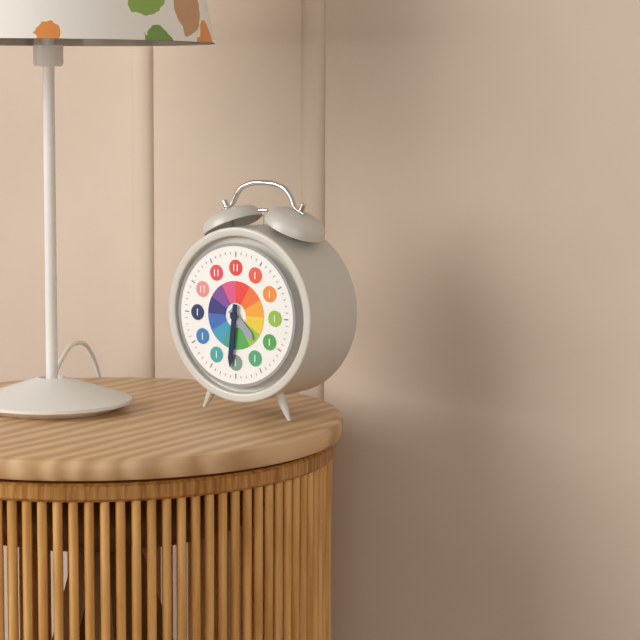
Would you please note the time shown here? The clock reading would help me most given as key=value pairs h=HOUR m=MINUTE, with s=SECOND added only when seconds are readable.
h=4 m=31
